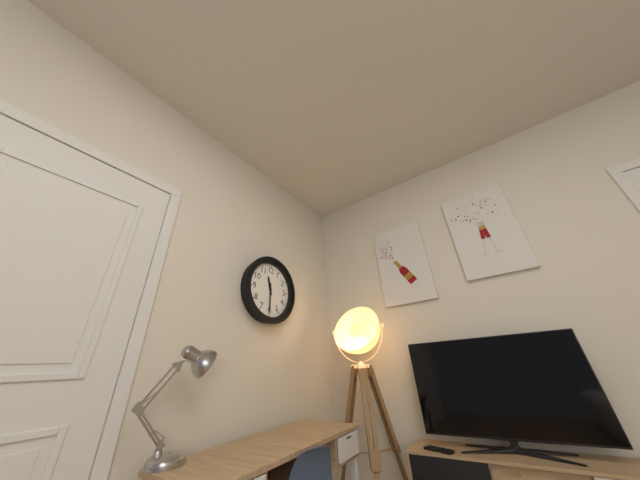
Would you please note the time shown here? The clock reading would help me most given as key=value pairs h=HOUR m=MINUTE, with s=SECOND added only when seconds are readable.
h=11 m=30
